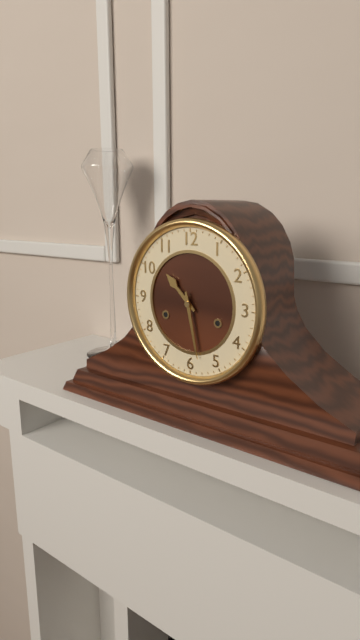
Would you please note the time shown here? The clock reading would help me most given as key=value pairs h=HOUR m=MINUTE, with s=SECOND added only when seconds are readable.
h=10 m=28
